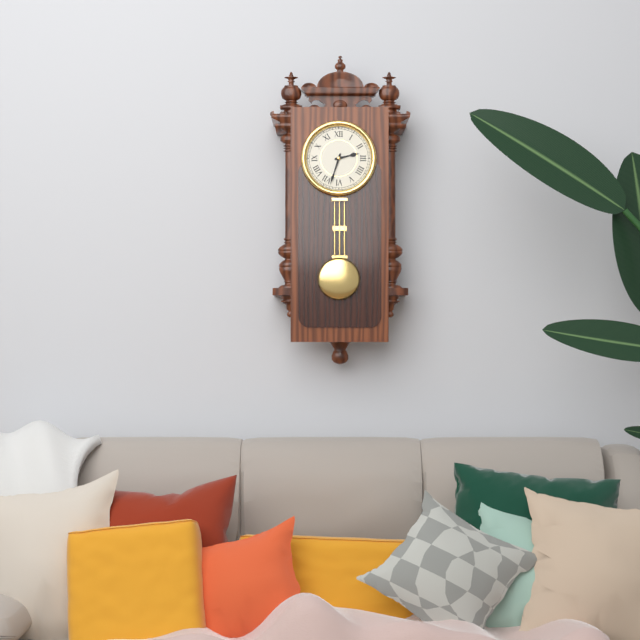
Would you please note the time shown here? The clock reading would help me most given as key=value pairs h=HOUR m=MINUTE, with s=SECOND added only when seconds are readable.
h=2 m=33
